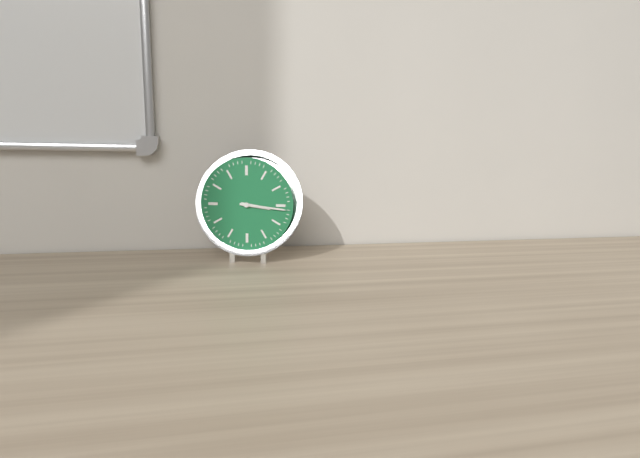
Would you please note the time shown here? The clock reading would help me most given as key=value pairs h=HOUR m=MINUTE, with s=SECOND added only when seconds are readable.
h=3 m=16
